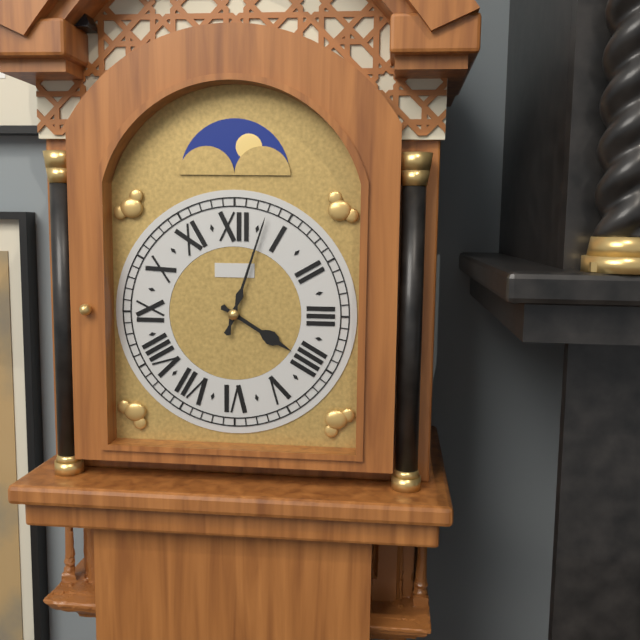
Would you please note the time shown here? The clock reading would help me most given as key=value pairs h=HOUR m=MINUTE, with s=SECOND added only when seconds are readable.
h=4 m=3
